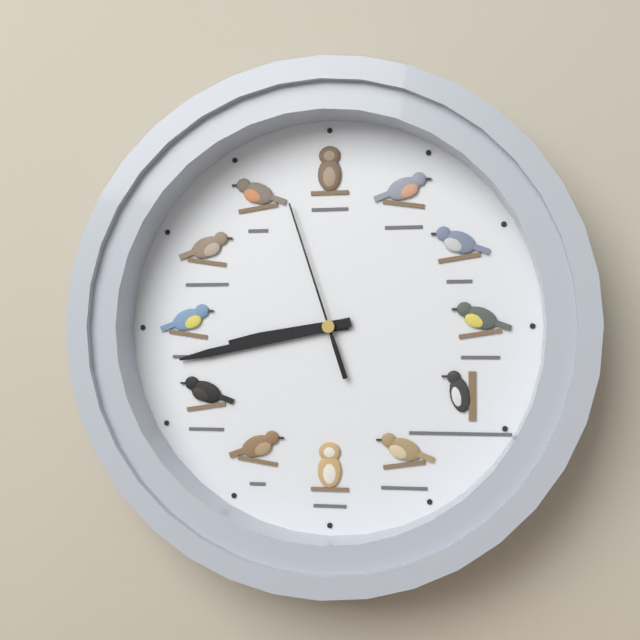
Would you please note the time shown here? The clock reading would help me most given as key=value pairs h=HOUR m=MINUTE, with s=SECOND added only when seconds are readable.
h=8 m=43 s=57
